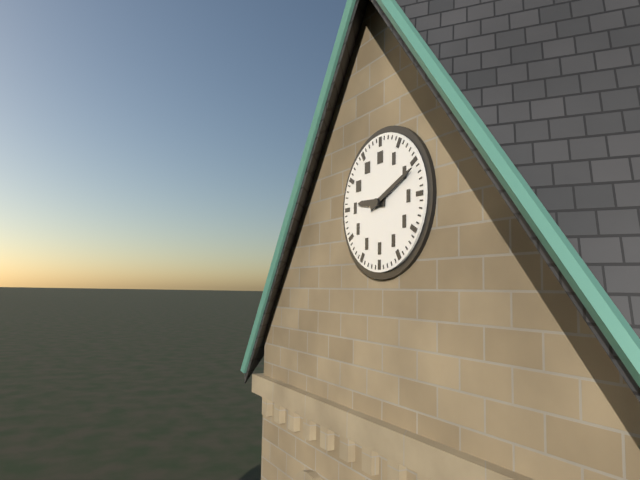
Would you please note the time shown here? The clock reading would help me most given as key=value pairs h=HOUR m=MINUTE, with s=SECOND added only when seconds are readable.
h=9 m=11
